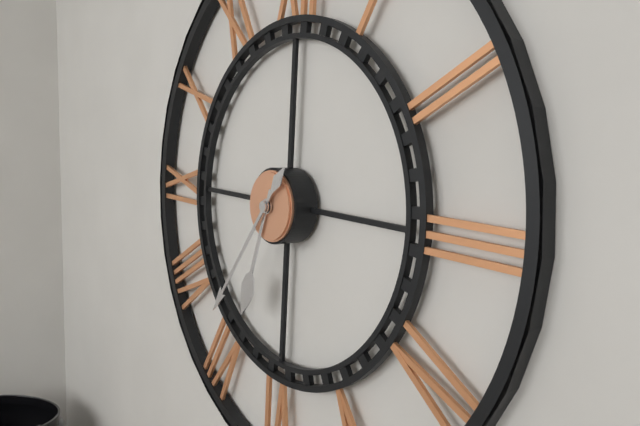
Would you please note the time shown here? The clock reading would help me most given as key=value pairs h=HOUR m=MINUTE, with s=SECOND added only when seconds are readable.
h=6 m=36
